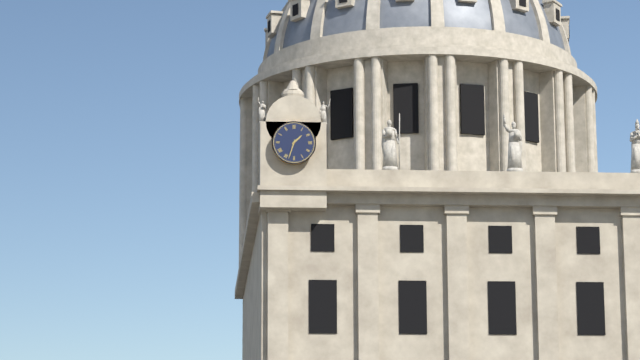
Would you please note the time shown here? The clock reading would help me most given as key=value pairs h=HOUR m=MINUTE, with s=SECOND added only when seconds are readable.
h=1 m=33
